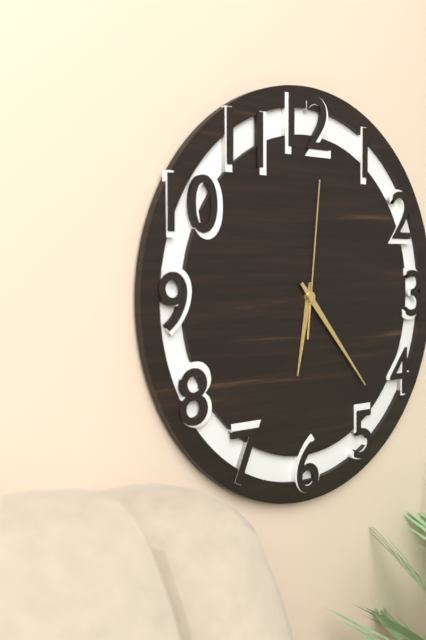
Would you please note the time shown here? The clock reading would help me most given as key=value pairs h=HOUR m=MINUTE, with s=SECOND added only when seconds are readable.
h=6 m=23 s=1
